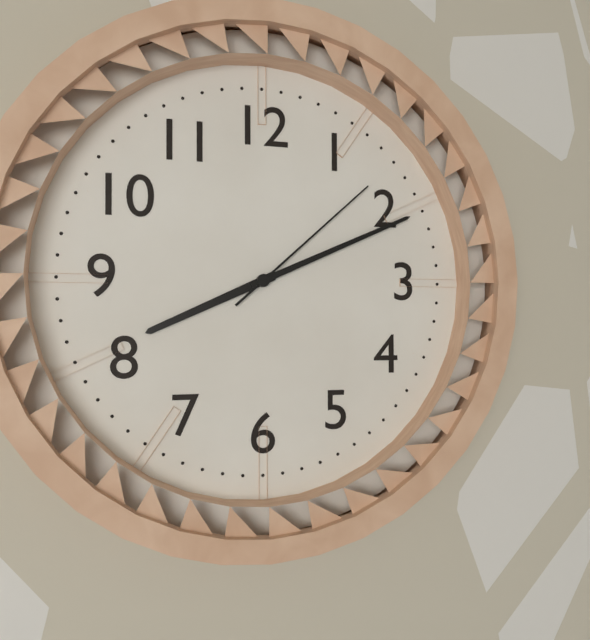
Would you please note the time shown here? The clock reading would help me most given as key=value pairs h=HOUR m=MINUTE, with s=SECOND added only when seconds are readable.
h=8 m=11 s=8
